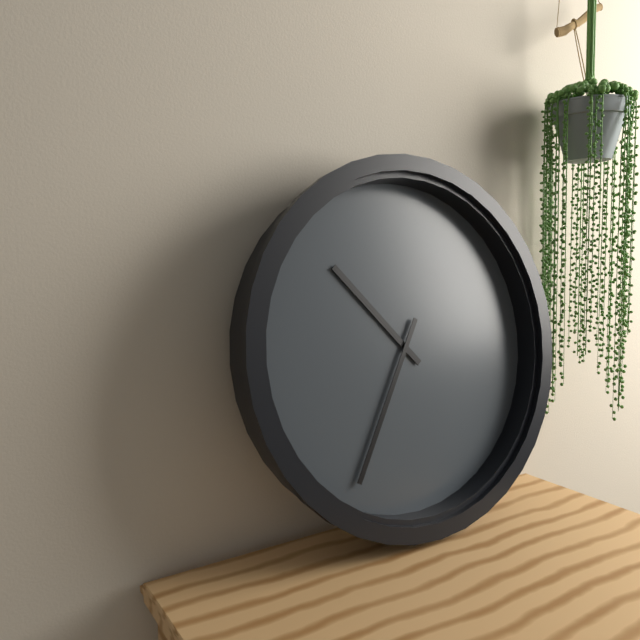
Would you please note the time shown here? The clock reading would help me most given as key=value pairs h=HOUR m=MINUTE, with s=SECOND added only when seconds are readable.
h=10 m=35
